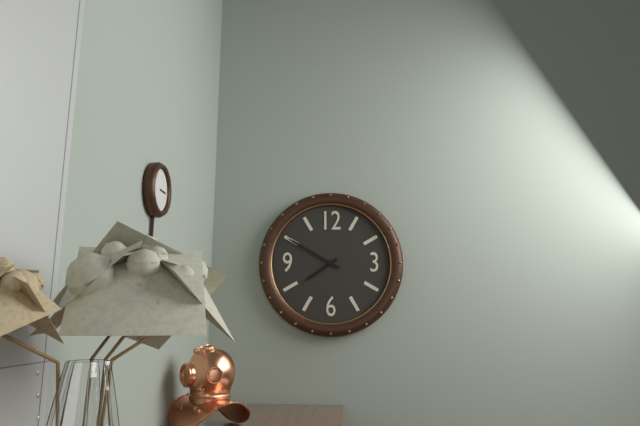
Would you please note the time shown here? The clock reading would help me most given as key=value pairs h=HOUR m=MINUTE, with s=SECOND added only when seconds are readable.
h=7 m=50
